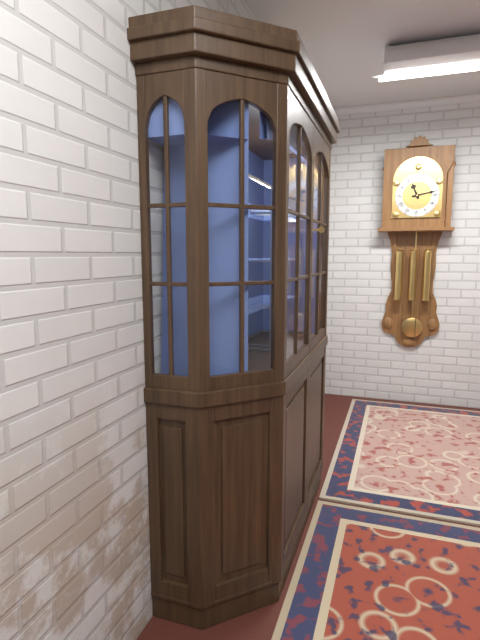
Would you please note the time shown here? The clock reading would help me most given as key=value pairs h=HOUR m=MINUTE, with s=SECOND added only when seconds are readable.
h=11 m=13
